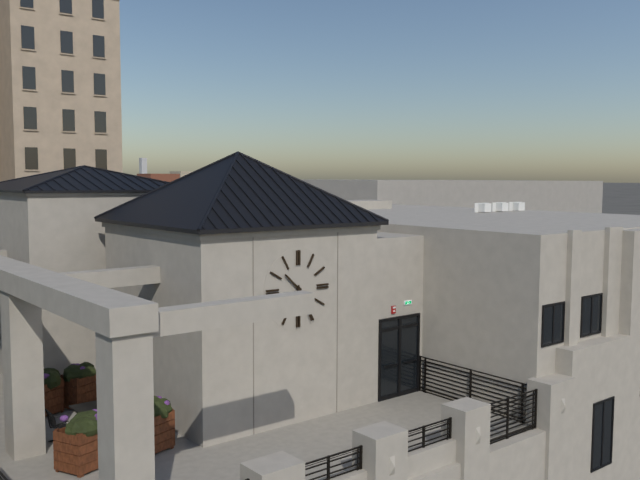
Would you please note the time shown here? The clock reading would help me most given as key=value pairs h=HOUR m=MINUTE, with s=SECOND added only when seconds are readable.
h=10 m=26
